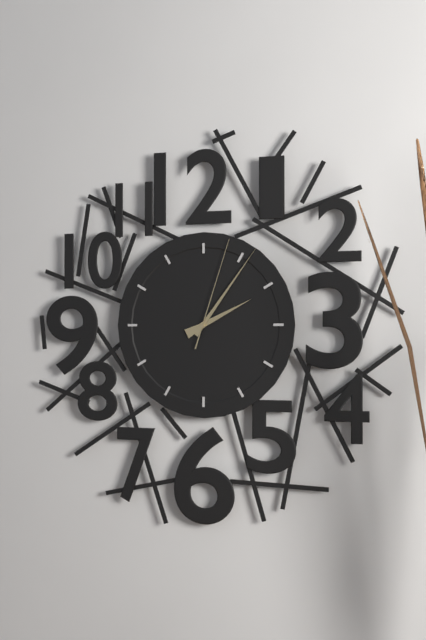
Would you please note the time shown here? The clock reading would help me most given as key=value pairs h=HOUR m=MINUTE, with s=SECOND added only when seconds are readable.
h=2 m=6 s=3
